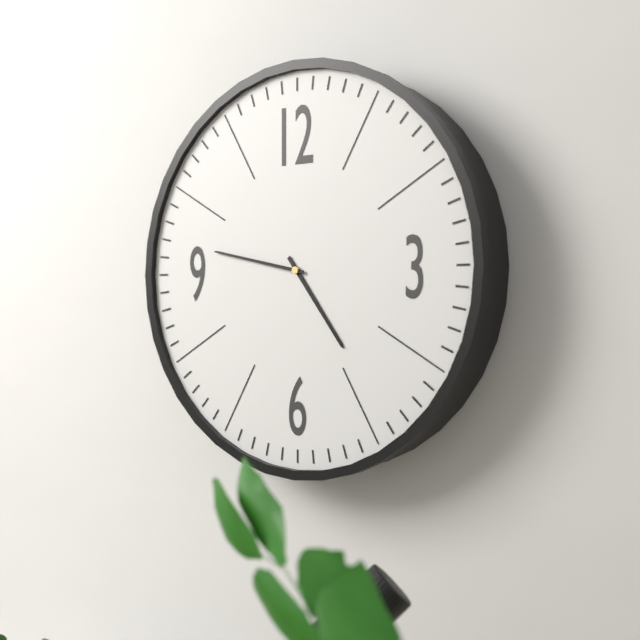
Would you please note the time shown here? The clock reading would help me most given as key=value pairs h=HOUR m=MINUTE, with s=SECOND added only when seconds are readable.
h=4 m=47
